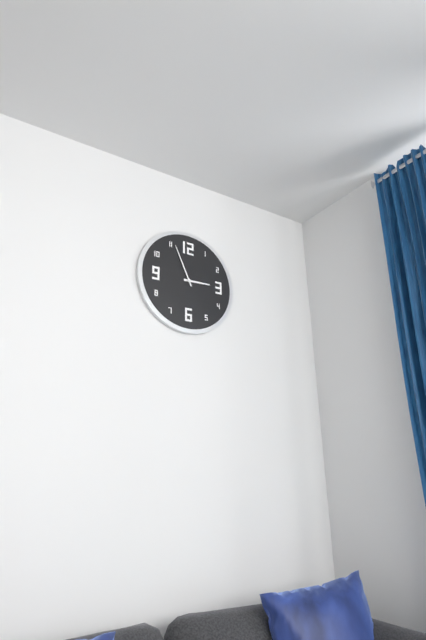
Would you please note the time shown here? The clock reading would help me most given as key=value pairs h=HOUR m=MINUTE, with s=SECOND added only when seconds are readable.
h=2 m=56
